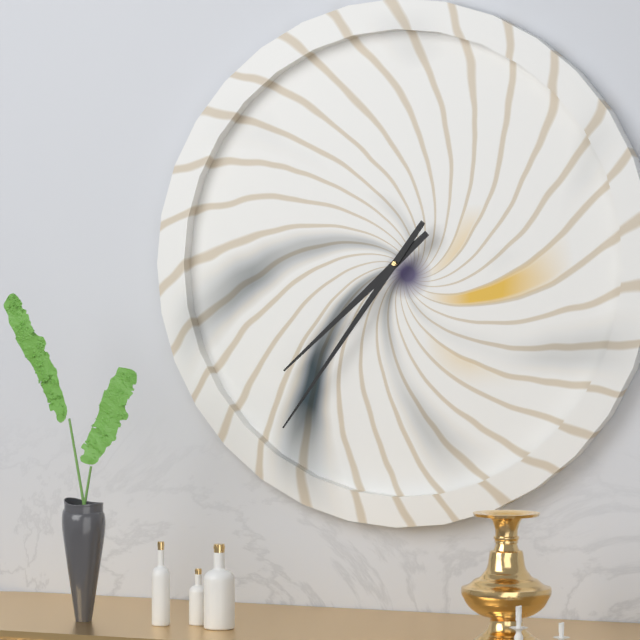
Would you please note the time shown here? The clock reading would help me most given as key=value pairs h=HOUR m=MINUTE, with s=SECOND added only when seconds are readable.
h=7 m=36
